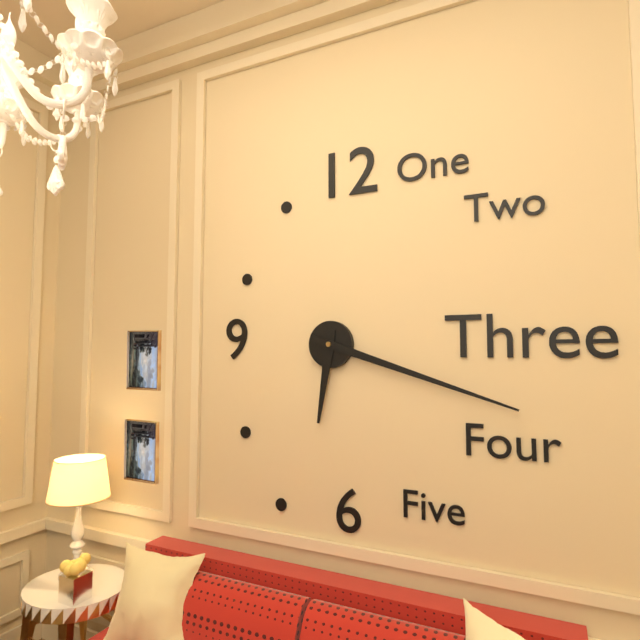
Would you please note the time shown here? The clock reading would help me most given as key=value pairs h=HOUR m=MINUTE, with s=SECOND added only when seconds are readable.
h=6 m=18
